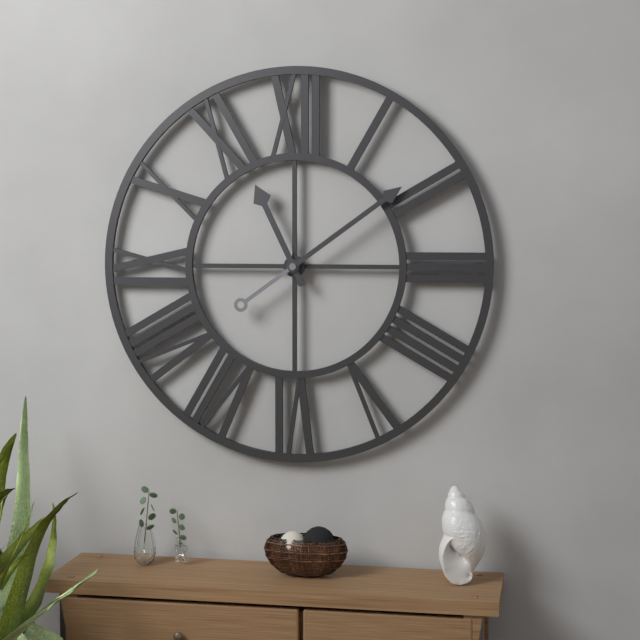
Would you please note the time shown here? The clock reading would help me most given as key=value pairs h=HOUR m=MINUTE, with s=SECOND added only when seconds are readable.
h=11 m=9
